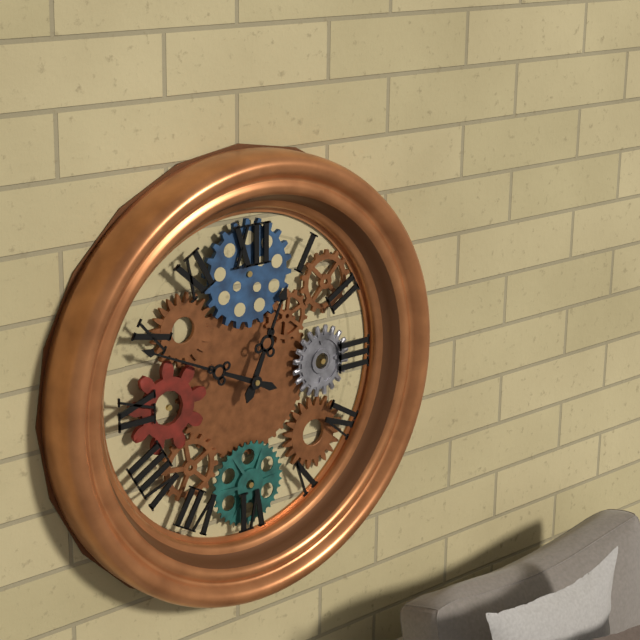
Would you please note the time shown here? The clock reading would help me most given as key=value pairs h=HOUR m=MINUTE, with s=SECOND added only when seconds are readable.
h=12 m=49
